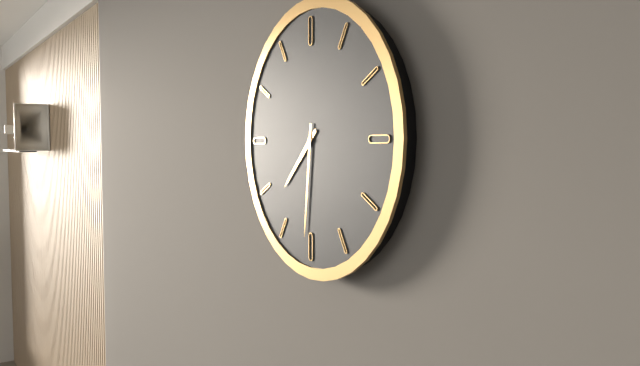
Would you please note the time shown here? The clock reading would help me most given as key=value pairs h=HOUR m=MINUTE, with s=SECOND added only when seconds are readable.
h=7 m=31
